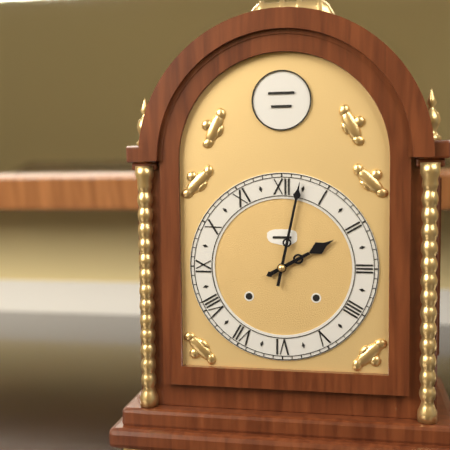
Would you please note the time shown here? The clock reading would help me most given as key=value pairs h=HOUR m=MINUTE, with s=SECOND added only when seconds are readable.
h=2 m=2
